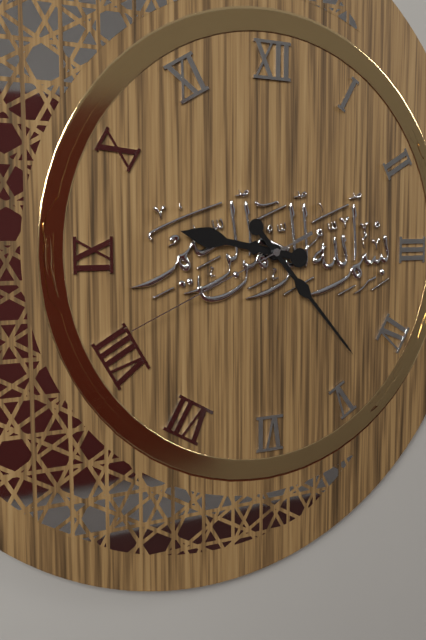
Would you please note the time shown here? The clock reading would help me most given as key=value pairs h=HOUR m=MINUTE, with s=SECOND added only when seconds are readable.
h=9 m=23 s=41
